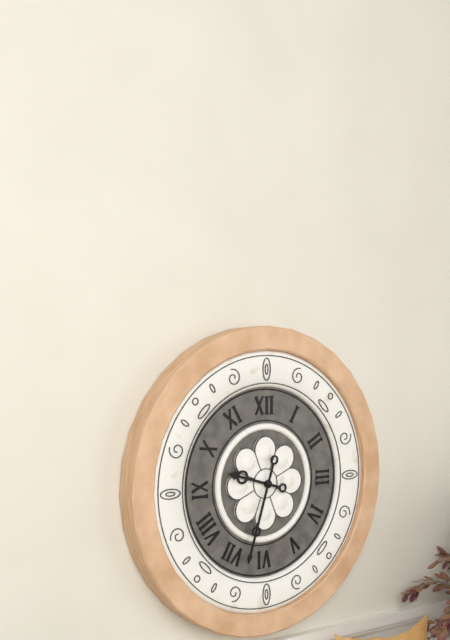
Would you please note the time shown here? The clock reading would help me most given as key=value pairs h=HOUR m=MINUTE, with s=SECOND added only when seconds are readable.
h=9 m=33
